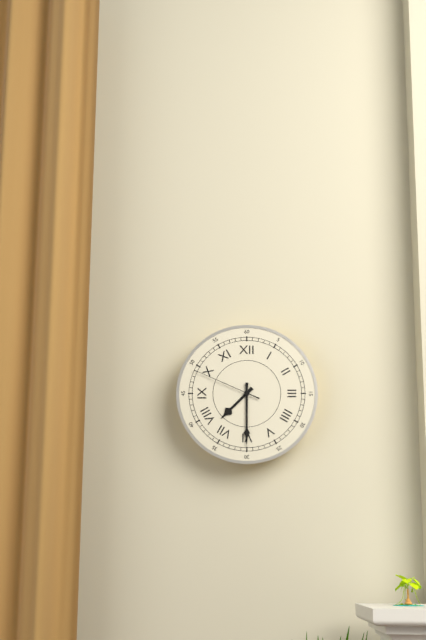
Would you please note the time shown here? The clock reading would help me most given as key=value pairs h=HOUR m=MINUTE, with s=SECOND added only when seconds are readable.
h=7 m=30 s=49
